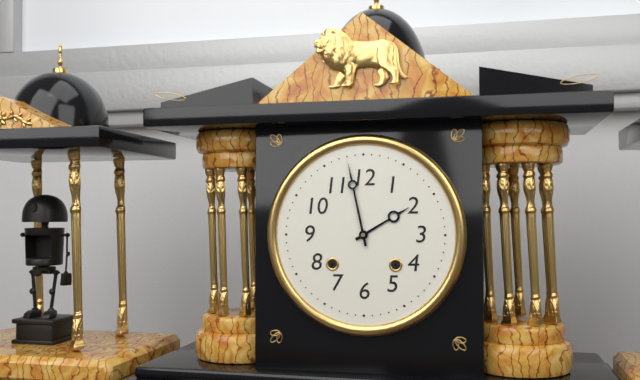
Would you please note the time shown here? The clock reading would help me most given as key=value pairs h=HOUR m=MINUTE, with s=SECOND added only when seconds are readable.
h=1 m=58
